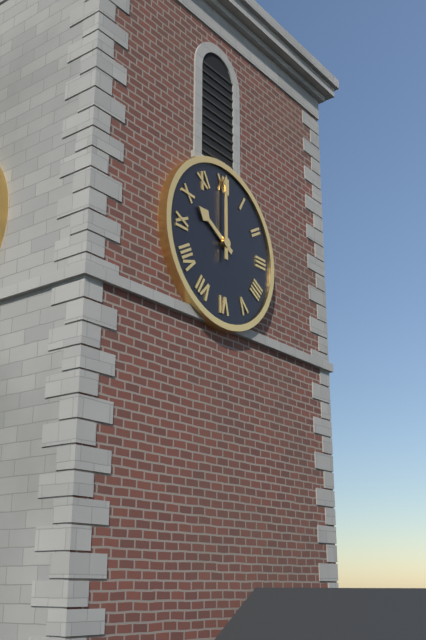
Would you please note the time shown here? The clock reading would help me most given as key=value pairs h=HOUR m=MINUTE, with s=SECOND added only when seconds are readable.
h=10 m=0
